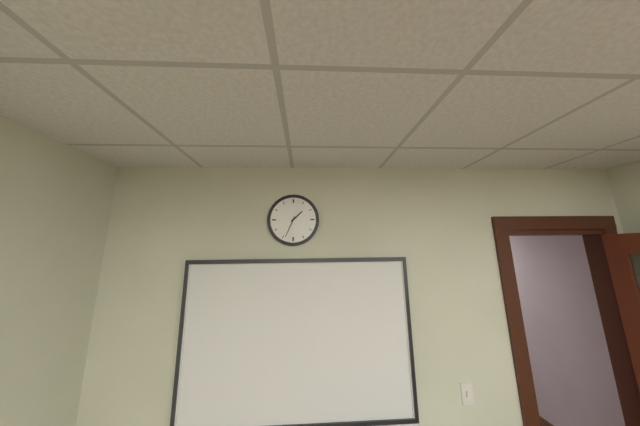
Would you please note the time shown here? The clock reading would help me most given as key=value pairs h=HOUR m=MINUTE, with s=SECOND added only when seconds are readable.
h=1 m=34
